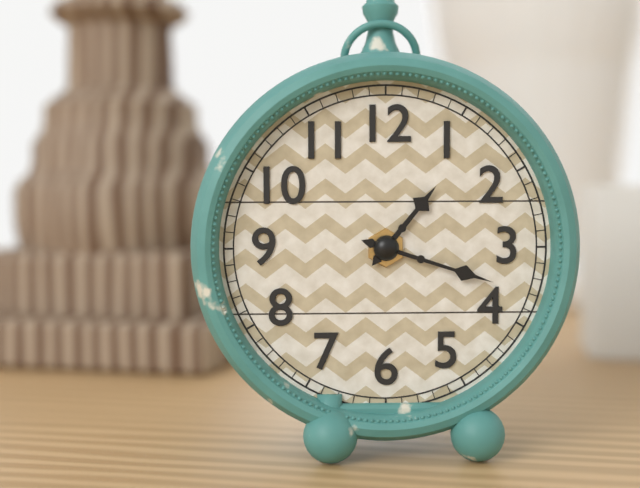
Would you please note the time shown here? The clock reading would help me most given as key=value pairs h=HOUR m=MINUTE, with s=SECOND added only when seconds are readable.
h=1 m=18
